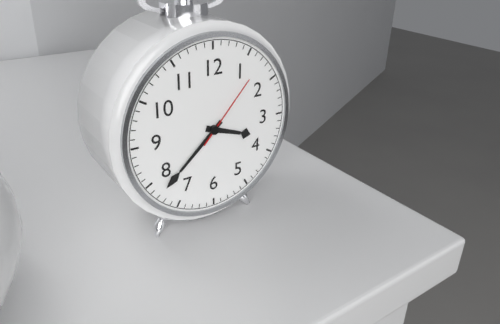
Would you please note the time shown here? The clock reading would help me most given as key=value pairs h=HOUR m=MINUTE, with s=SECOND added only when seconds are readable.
h=3 m=38 s=7
